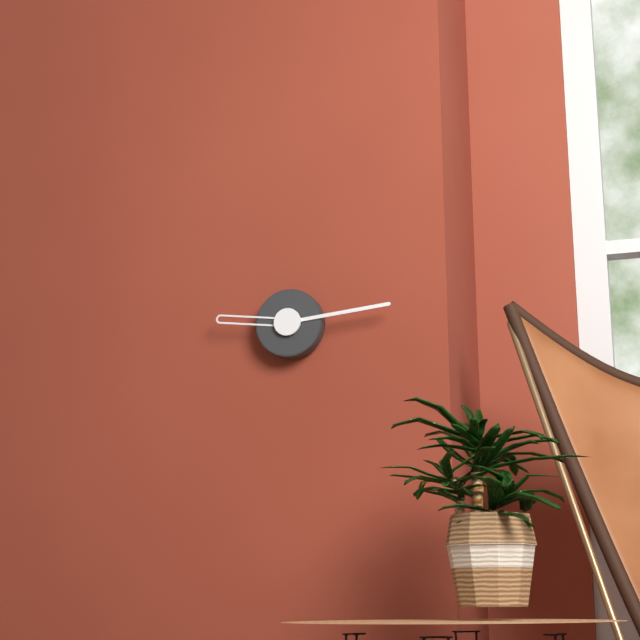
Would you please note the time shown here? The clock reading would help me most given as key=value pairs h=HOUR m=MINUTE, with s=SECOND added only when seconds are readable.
h=9 m=14
